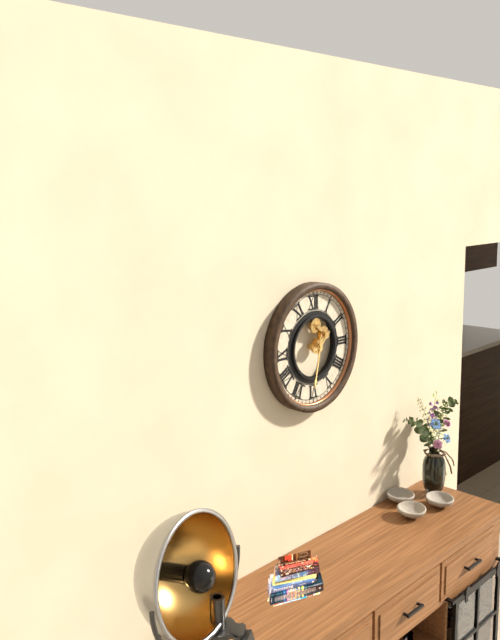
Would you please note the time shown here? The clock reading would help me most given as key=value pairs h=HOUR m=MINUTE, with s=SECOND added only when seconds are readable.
h=1 m=32
